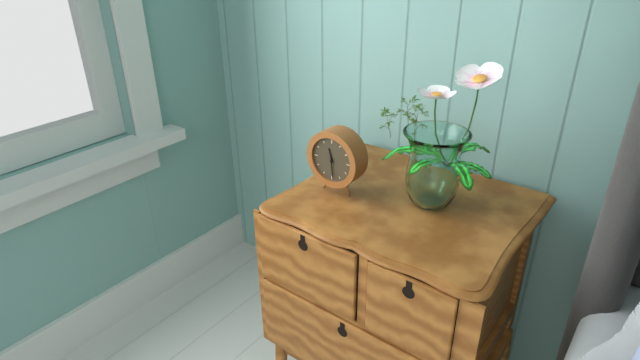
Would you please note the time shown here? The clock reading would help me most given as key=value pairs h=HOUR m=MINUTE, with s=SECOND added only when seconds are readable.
h=11 m=29
